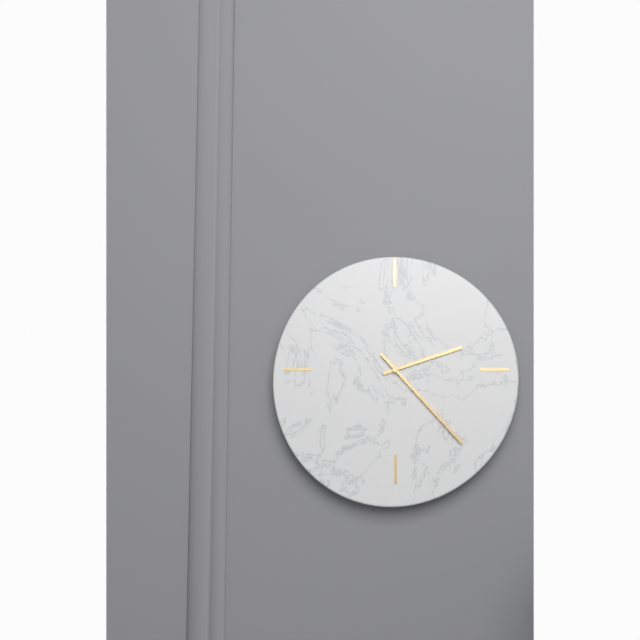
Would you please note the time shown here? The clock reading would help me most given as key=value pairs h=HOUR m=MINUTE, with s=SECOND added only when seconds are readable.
h=2 m=23
